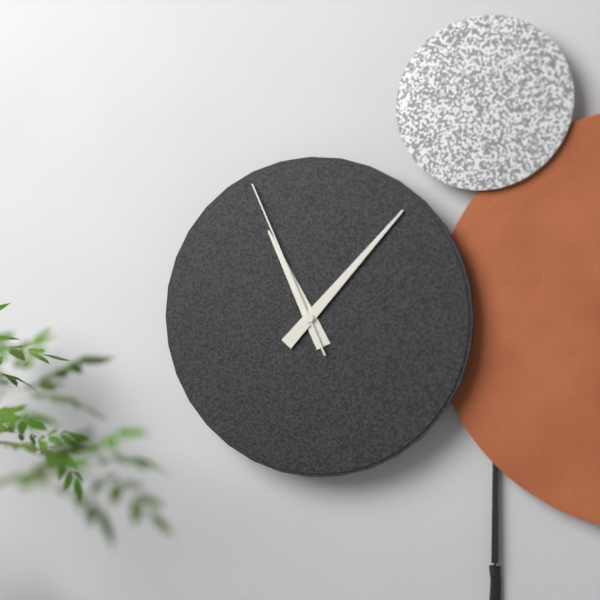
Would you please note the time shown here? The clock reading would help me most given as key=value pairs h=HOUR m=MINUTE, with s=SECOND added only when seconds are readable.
h=11 m=7 s=56
